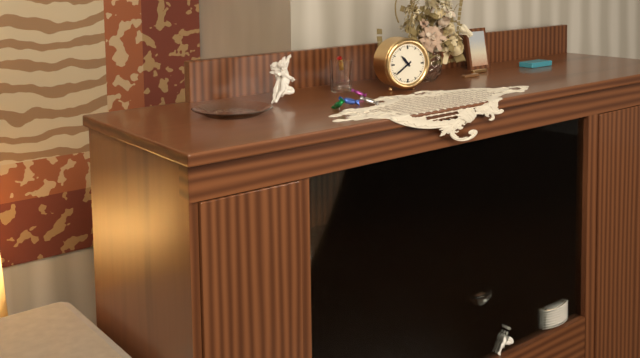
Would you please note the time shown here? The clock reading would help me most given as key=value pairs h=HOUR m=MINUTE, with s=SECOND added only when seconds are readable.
h=10 m=39
